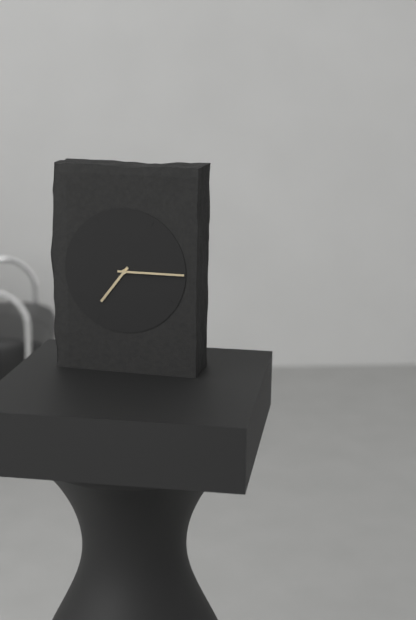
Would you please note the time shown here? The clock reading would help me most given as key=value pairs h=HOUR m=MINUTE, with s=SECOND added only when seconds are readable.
h=7 m=15
